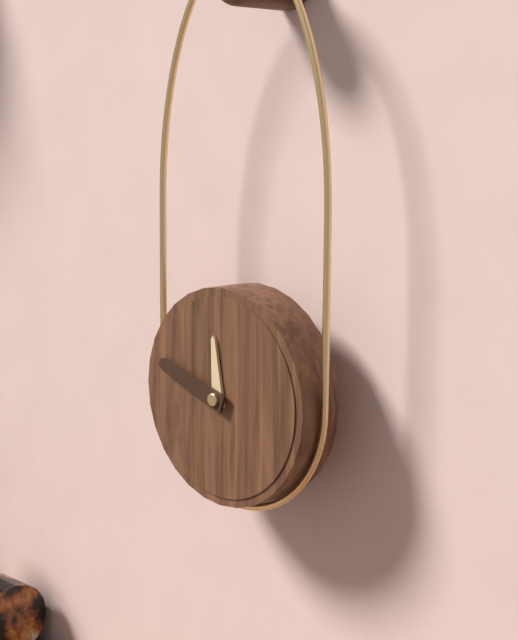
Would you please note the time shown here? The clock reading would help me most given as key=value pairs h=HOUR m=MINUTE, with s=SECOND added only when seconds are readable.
h=11 m=48
